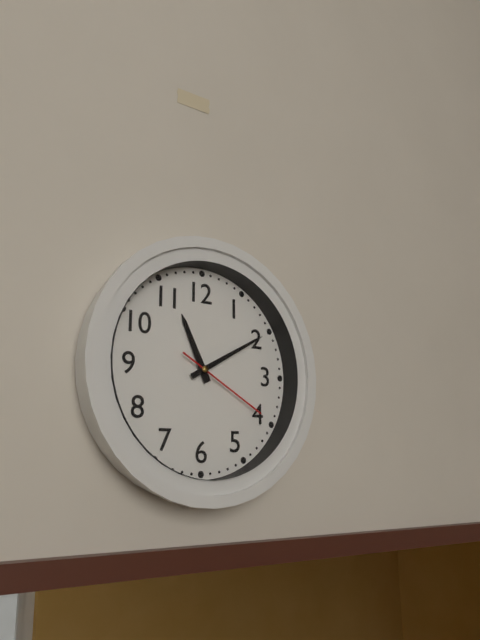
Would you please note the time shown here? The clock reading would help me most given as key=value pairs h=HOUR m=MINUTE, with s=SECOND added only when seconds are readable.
h=11 m=10 s=20
